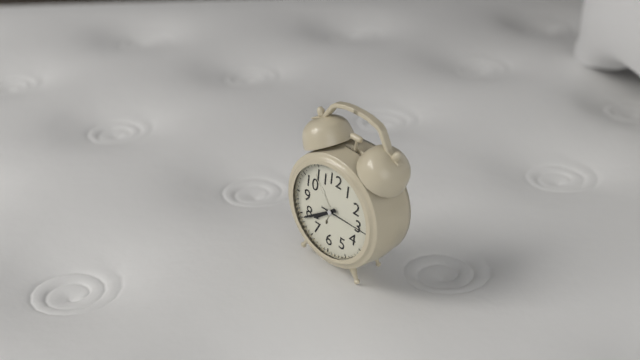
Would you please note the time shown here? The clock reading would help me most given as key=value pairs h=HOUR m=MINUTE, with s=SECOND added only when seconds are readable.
h=7 m=39 s=15
